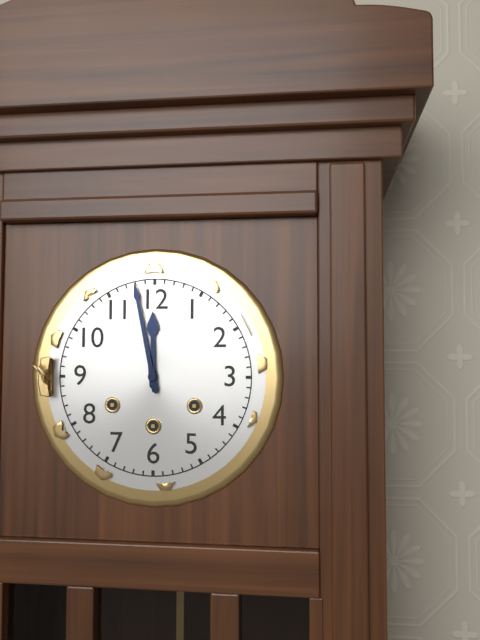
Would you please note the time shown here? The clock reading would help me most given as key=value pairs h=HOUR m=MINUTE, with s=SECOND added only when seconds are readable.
h=11 m=58
